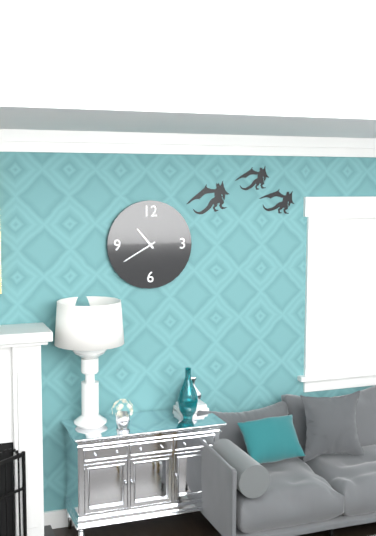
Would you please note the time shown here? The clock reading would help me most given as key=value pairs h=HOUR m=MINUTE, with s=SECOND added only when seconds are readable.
h=10 m=40
